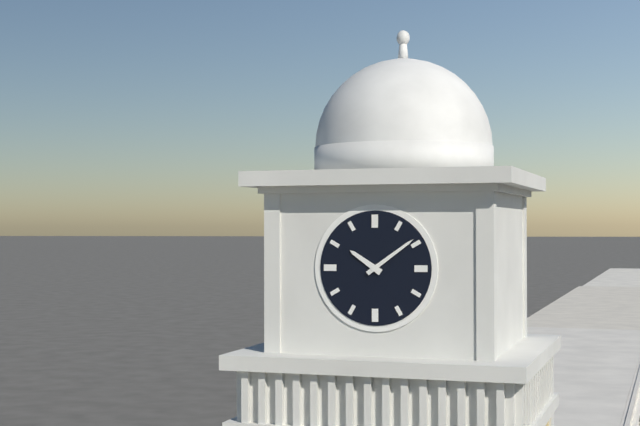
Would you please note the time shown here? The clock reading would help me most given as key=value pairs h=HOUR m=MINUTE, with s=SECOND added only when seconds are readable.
h=10 m=9
